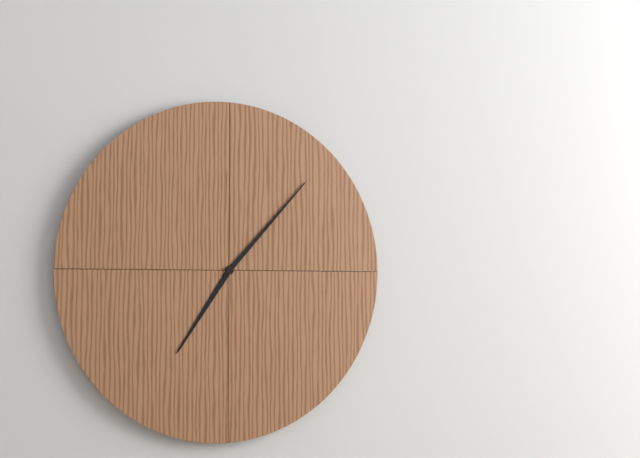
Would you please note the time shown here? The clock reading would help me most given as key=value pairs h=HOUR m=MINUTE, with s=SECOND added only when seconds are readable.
h=7 m=7
